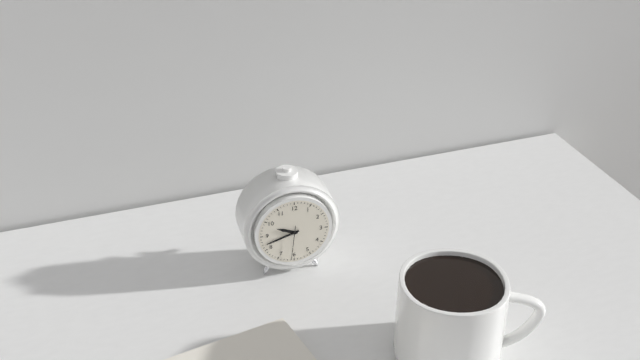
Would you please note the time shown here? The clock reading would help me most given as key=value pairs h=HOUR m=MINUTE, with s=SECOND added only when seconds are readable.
h=9 m=42
